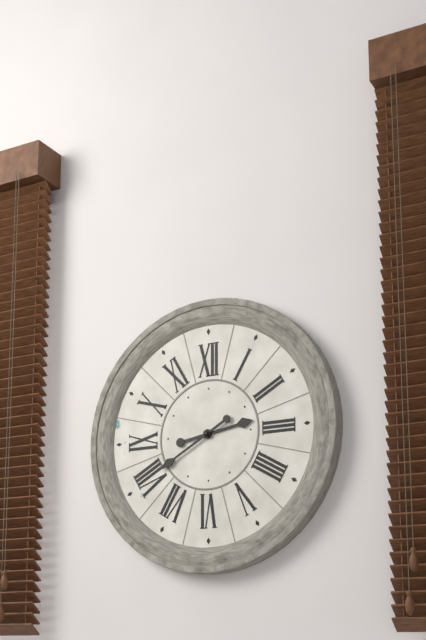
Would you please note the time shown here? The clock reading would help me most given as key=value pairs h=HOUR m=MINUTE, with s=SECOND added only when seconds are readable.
h=2 m=40
